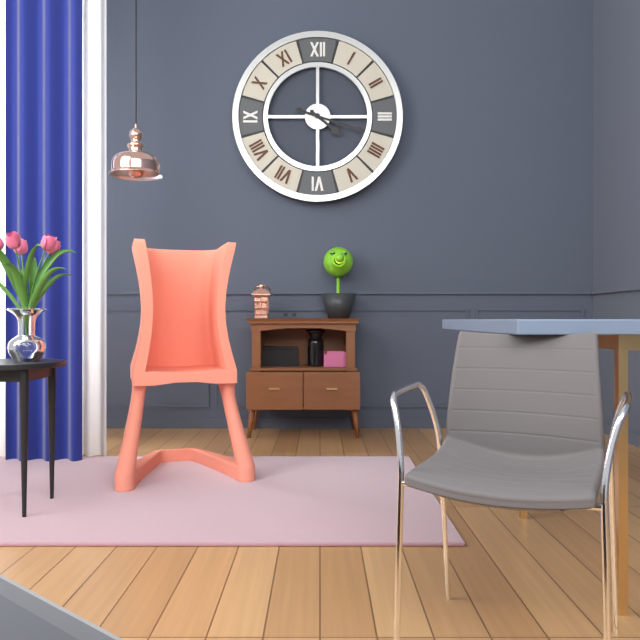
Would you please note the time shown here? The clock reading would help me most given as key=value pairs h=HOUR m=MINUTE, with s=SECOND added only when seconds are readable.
h=4 m=18
